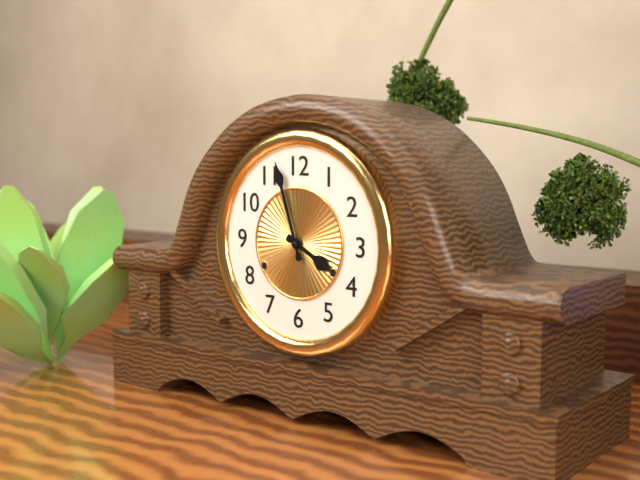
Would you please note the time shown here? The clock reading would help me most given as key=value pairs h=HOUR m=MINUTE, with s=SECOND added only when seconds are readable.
h=3 m=57
